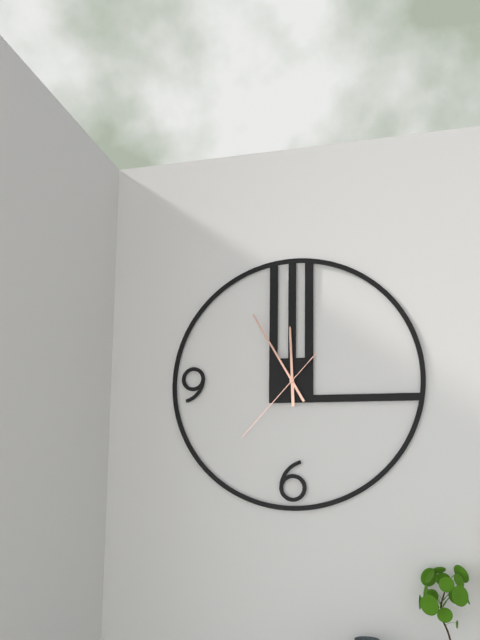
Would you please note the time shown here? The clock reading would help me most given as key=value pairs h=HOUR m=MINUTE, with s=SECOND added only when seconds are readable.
h=11 m=55 s=37
